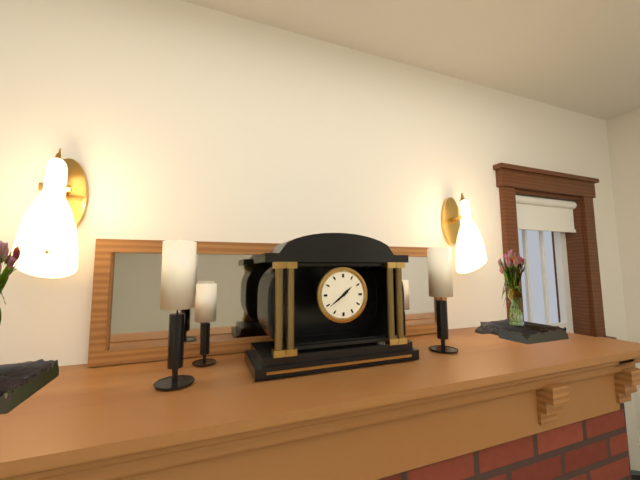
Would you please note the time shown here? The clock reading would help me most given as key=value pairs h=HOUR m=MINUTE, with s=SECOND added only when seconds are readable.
h=1 m=39
